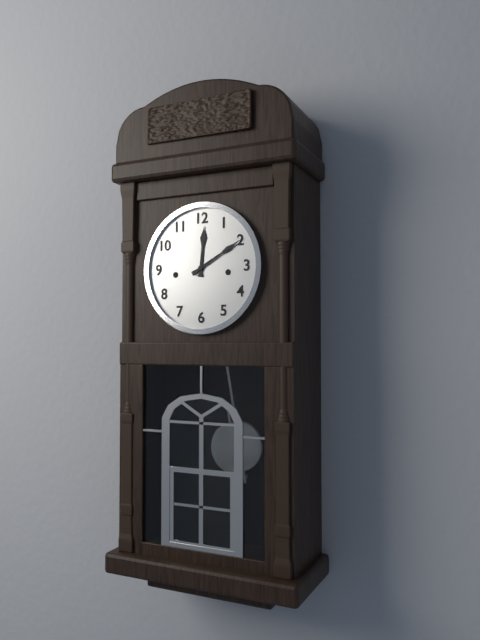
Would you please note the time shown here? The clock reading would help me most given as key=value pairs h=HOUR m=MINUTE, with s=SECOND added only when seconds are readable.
h=12 m=10
